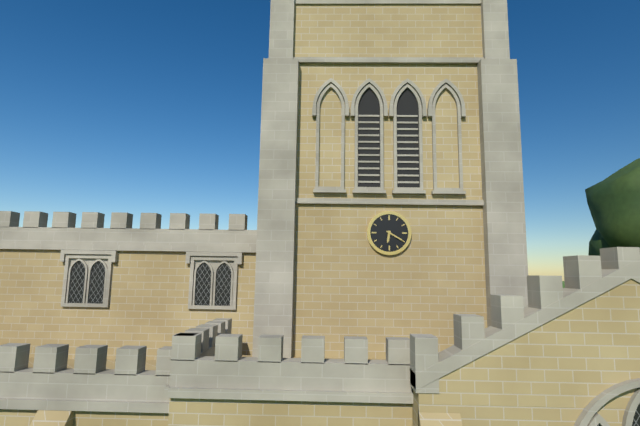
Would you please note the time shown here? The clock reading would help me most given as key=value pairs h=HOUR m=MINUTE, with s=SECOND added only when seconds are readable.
h=6 m=20
